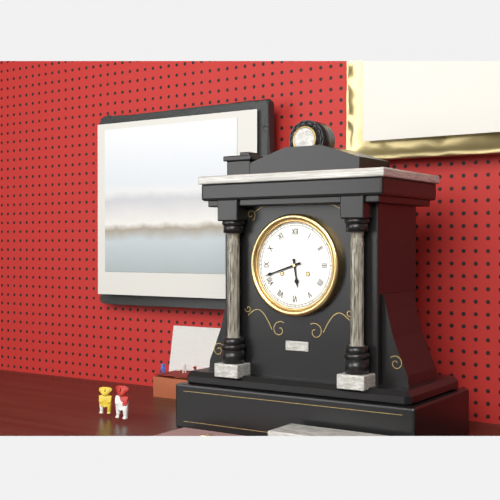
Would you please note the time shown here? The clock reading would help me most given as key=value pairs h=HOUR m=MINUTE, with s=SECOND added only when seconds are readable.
h=5 m=42
